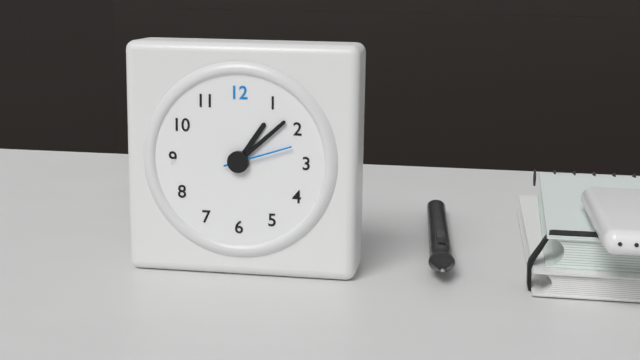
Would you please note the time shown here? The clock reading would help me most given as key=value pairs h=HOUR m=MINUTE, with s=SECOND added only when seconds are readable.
h=1 m=8 s=12
